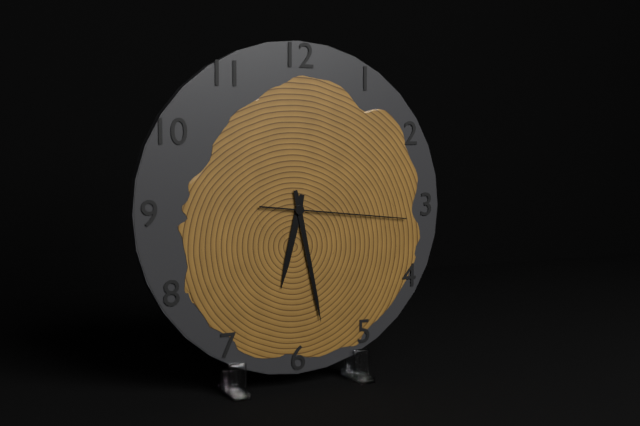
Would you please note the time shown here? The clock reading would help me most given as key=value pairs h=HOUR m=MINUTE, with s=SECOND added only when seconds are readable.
h=6 m=28 s=16
